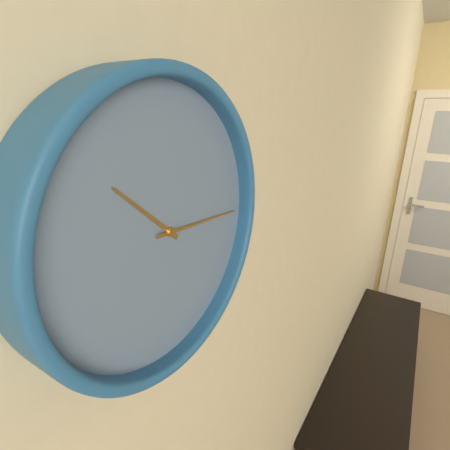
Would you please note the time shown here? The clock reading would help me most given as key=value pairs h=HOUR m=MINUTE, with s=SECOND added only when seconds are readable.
h=10 m=15
